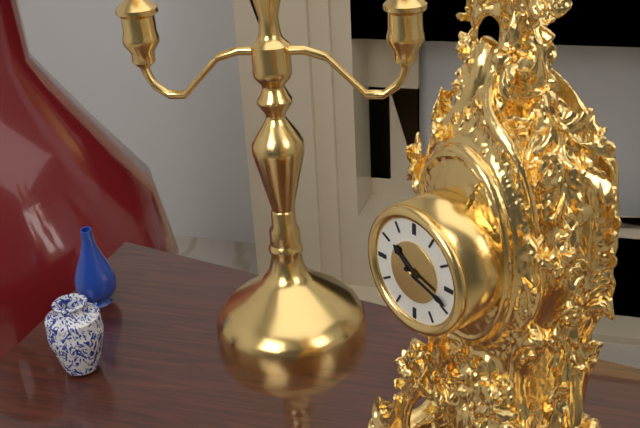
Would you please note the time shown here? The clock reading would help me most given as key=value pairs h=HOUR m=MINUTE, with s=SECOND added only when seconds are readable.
h=10 m=18
